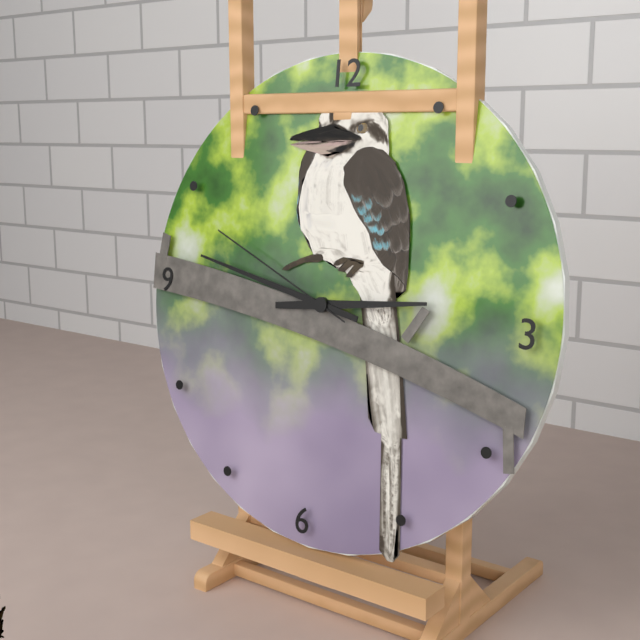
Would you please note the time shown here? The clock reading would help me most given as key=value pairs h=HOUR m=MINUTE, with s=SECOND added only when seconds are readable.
h=2 m=47 s=49
